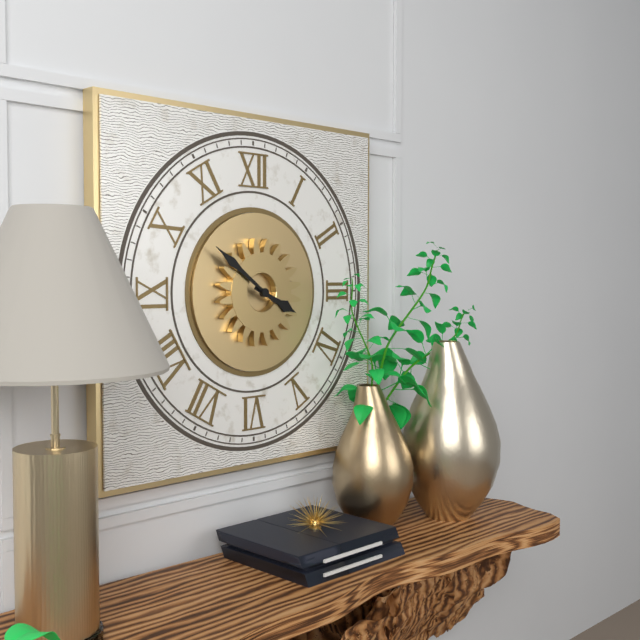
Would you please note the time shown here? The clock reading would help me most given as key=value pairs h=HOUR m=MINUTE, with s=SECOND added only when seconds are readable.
h=3 m=51
